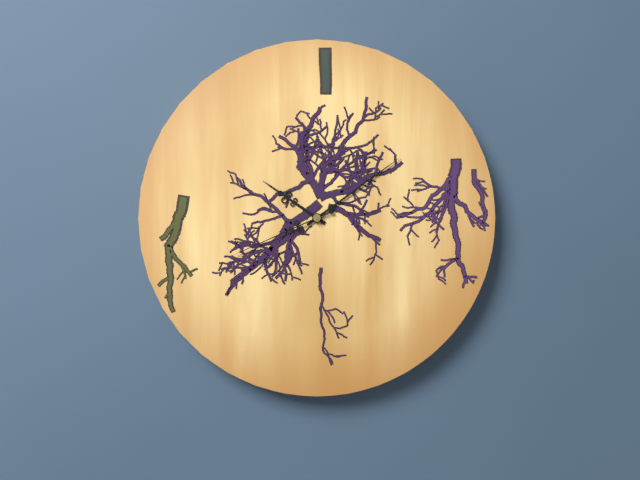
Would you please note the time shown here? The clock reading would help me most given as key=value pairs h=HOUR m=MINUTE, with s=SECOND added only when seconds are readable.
h=10 m=9 s=41
